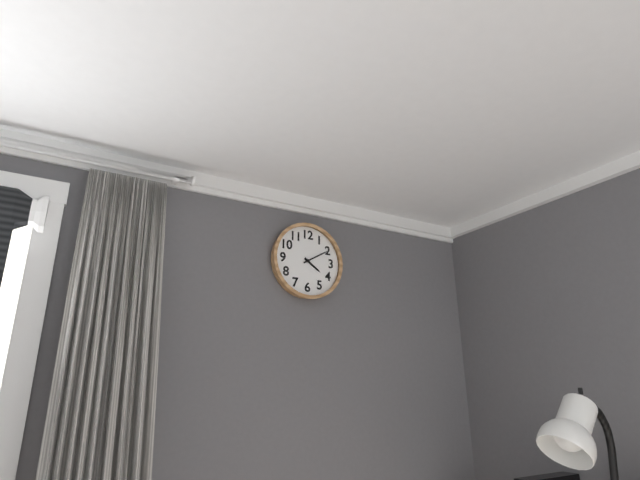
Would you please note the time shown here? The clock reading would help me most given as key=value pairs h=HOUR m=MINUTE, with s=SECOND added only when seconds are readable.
h=4 m=10
